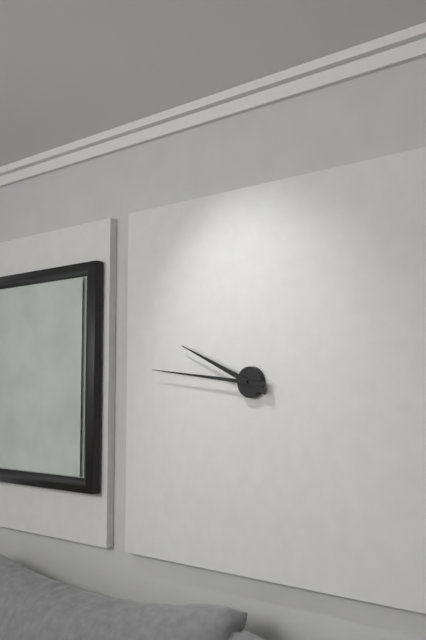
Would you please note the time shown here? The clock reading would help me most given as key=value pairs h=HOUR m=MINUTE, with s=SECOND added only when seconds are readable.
h=9 m=46
